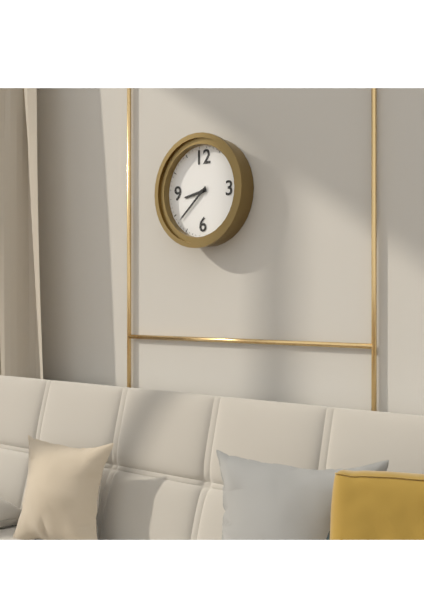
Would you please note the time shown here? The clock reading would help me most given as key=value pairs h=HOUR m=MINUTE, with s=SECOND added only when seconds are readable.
h=8 m=38
